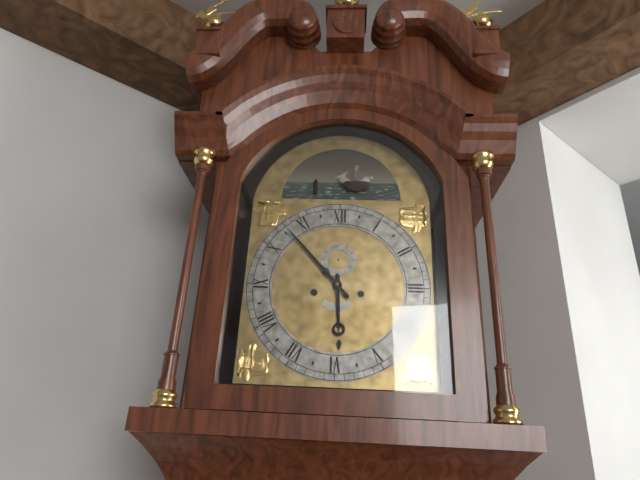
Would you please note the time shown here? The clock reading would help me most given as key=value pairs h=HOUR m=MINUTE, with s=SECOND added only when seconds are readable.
h=5 m=53
